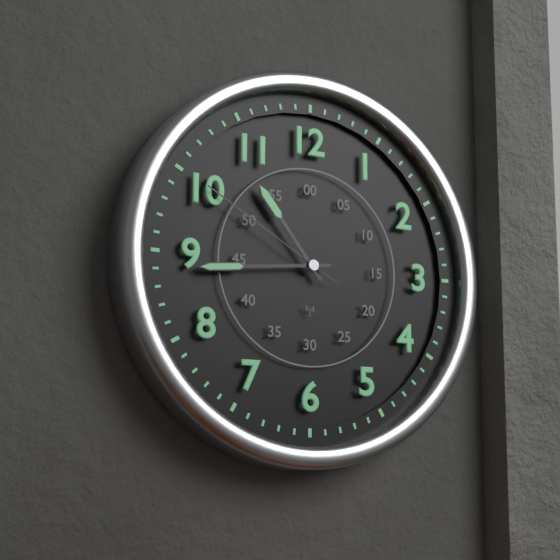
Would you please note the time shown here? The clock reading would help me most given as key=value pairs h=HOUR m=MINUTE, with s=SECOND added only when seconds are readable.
h=10 m=44 s=50
